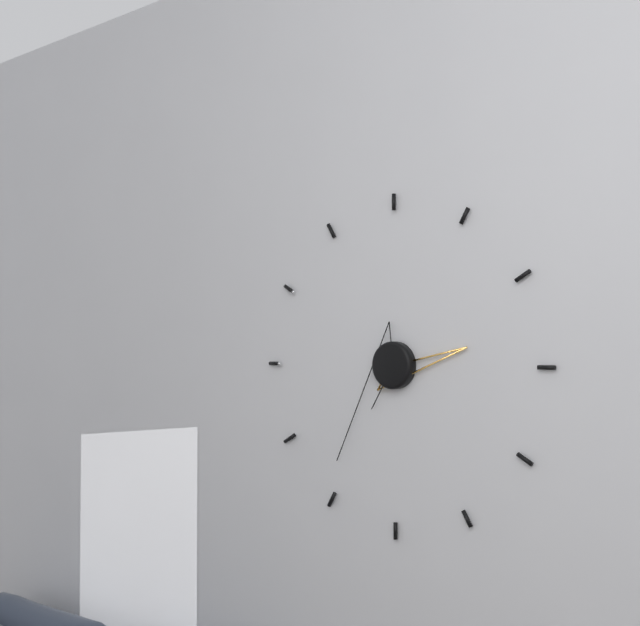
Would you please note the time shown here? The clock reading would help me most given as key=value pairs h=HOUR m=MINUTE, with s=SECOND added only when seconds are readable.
h=2 m=36
